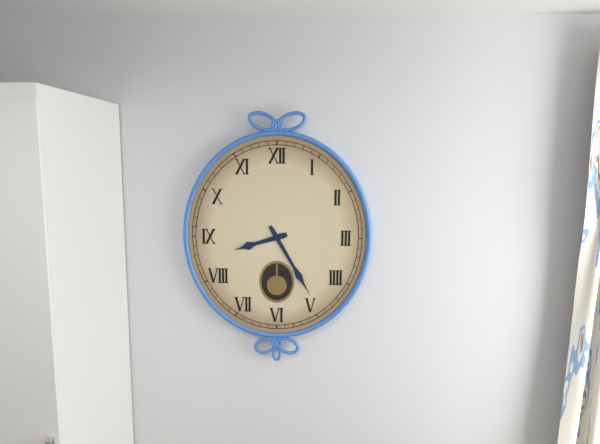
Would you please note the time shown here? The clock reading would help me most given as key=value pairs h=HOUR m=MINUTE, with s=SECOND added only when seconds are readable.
h=8 m=25
